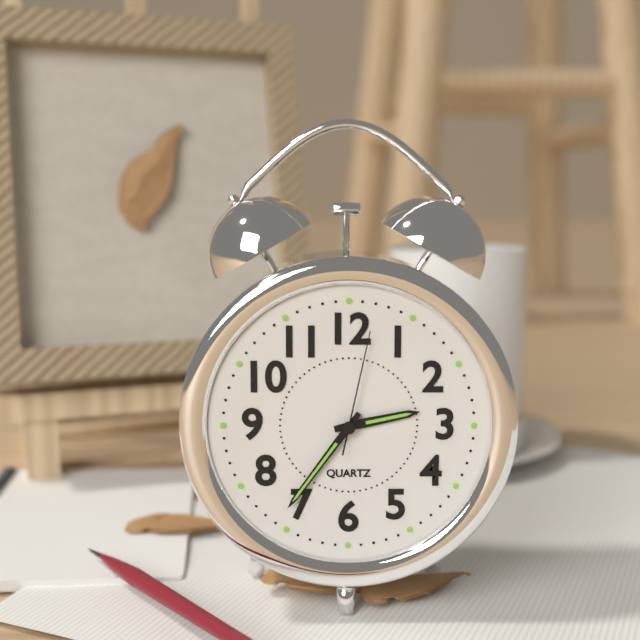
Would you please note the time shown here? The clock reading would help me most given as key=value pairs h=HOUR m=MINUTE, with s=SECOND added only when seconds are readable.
h=2 m=36 s=2
